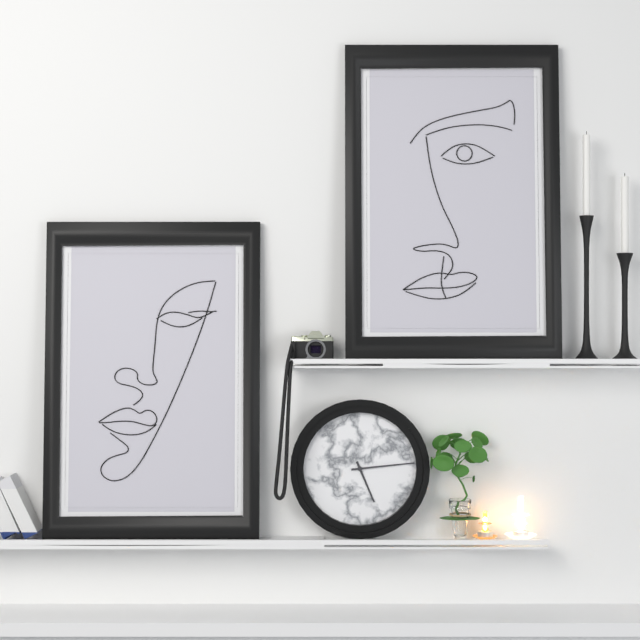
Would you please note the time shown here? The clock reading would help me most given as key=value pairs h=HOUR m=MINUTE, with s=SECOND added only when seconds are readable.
h=5 m=14
